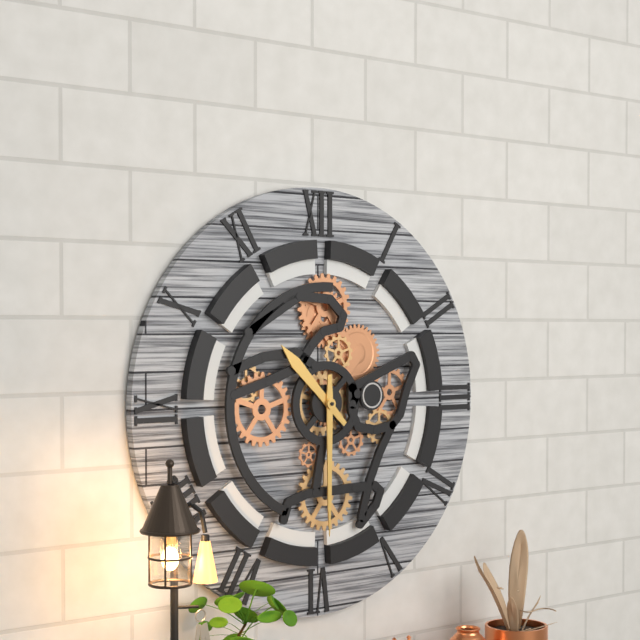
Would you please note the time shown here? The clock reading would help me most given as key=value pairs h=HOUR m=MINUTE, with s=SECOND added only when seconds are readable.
h=10 m=30
